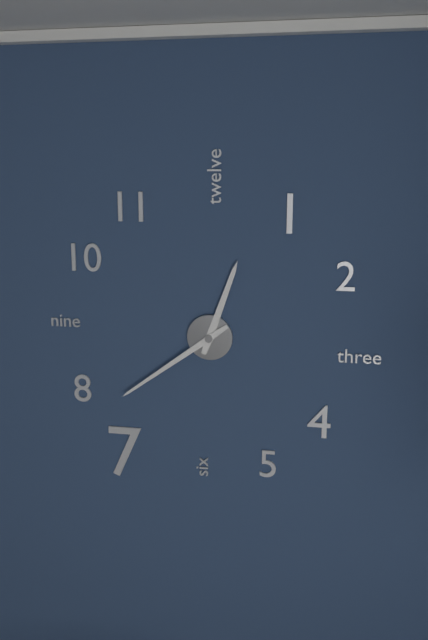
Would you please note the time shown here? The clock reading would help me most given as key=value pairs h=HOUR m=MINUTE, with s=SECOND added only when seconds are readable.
h=12 m=39
